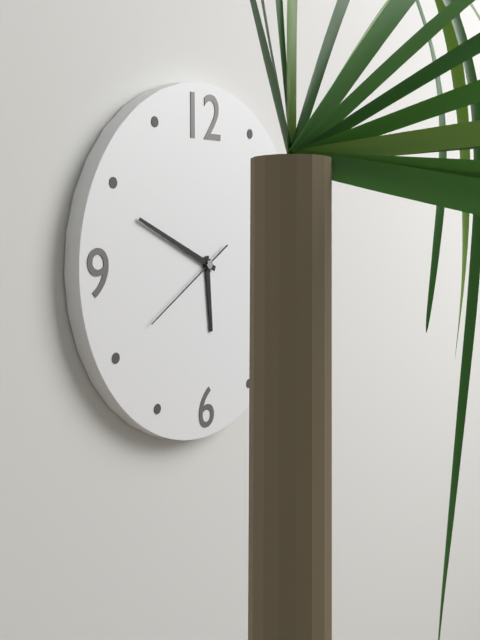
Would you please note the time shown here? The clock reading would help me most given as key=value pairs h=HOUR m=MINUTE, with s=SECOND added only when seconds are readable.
h=5 m=49 s=40
